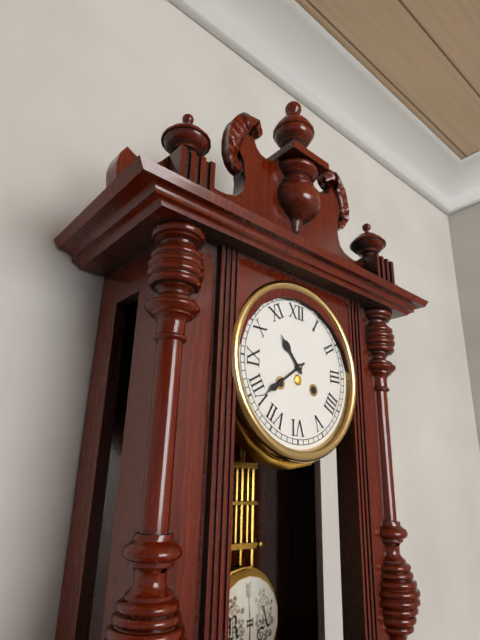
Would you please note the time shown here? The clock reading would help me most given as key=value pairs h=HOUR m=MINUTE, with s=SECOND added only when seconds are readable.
h=10 m=39
